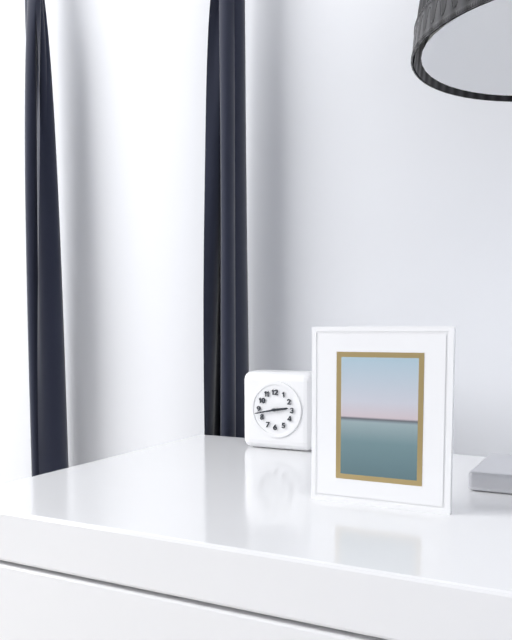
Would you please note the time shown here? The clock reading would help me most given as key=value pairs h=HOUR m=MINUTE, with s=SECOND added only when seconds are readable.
h=2 m=43
